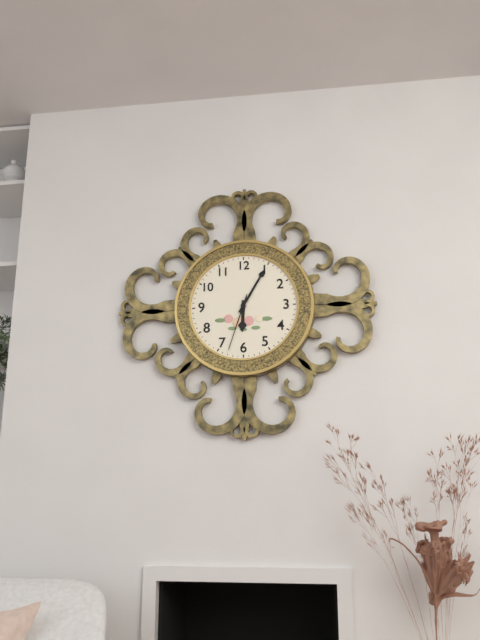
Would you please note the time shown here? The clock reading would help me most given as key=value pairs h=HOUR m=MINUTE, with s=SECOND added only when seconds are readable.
h=6 m=5 s=33
